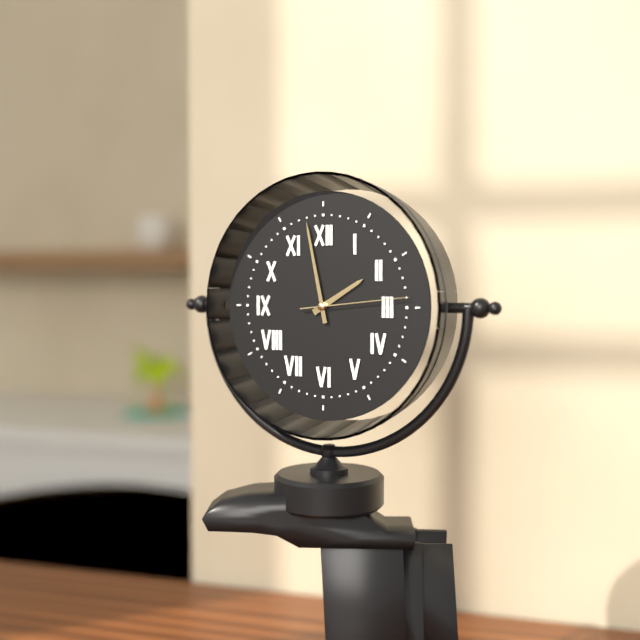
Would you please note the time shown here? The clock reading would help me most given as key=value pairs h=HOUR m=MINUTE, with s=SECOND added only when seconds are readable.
h=1 m=58 s=14
